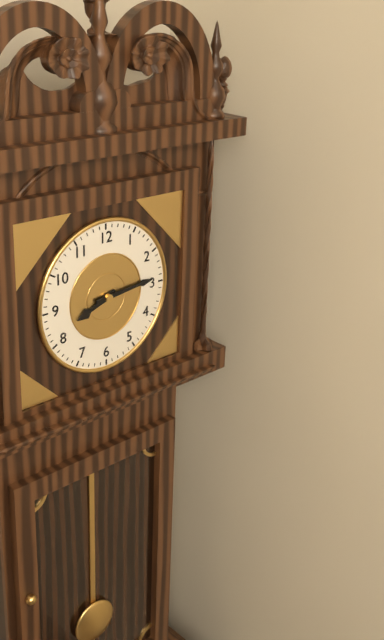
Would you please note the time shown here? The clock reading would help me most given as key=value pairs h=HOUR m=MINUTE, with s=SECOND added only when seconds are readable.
h=8 m=14
